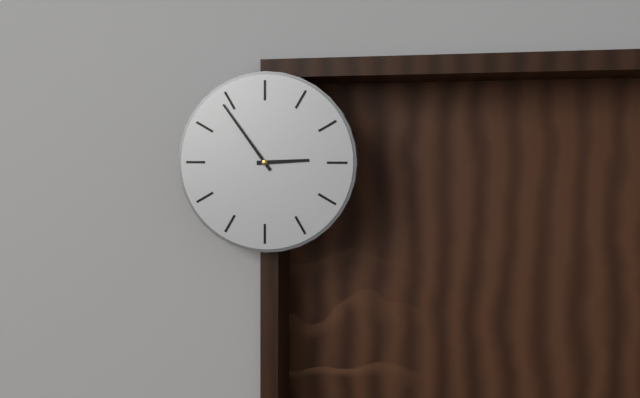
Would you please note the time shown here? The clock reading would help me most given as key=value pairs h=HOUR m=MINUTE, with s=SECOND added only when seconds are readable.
h=2 m=54
